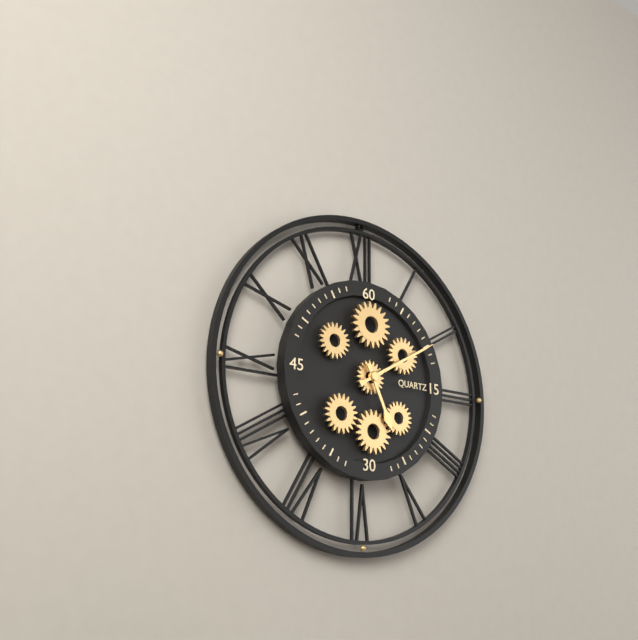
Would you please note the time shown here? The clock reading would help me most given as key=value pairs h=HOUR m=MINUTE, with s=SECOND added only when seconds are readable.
h=5 m=10
